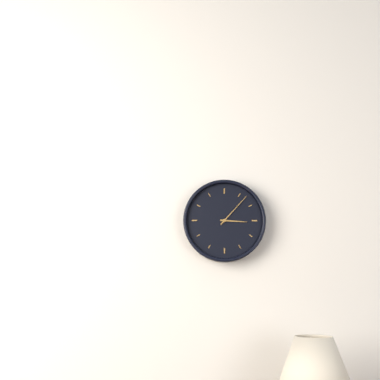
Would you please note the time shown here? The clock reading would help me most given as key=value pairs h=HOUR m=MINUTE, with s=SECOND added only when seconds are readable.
h=3 m=7
